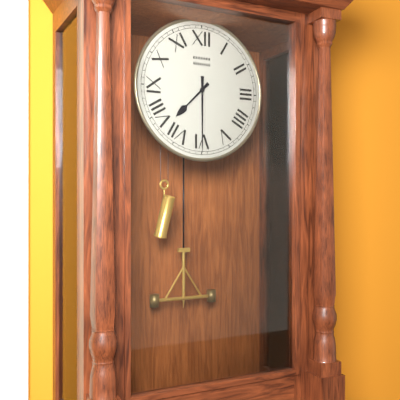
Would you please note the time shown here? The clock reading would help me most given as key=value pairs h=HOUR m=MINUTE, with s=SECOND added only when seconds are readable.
h=7 m=30
